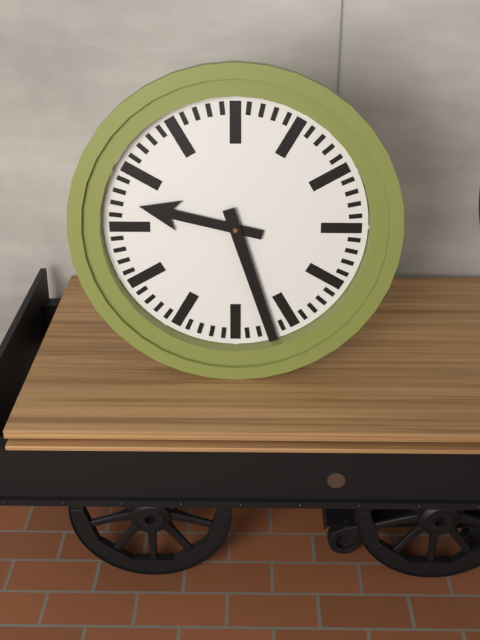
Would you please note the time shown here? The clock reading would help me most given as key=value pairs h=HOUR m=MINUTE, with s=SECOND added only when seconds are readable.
h=9 m=27
